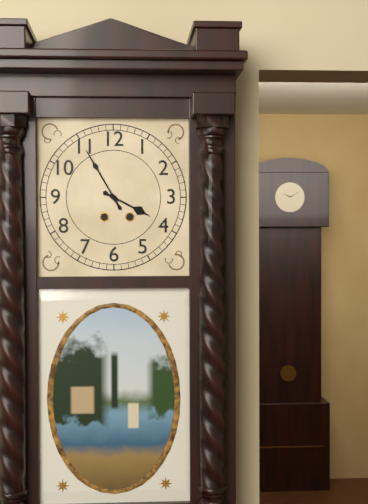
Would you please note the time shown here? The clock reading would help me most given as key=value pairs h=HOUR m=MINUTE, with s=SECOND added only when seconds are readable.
h=3 m=55
